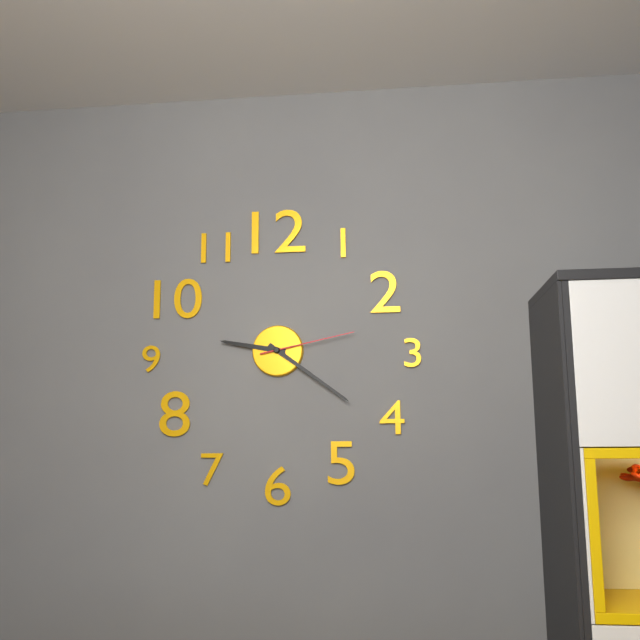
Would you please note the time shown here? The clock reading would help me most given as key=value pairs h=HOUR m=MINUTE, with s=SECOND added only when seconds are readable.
h=9 m=21 s=13
